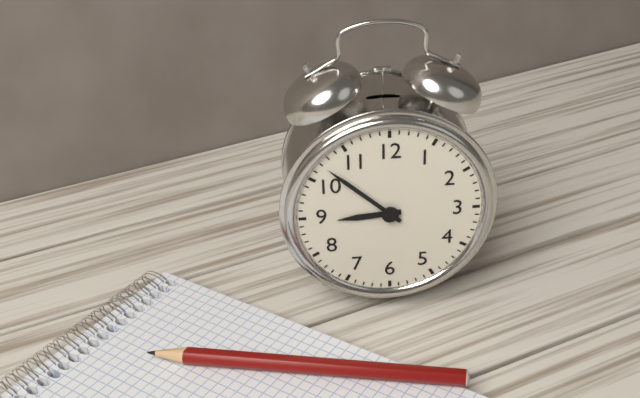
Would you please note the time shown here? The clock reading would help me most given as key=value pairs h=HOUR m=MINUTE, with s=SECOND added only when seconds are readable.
h=8 m=52
